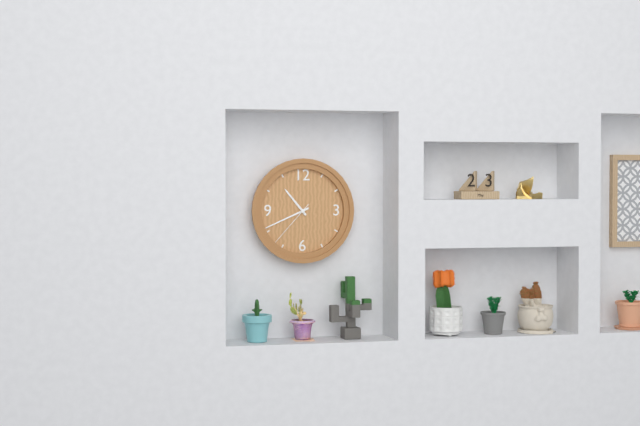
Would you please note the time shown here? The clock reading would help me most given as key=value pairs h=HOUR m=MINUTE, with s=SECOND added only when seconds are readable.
h=10 m=41 s=37
